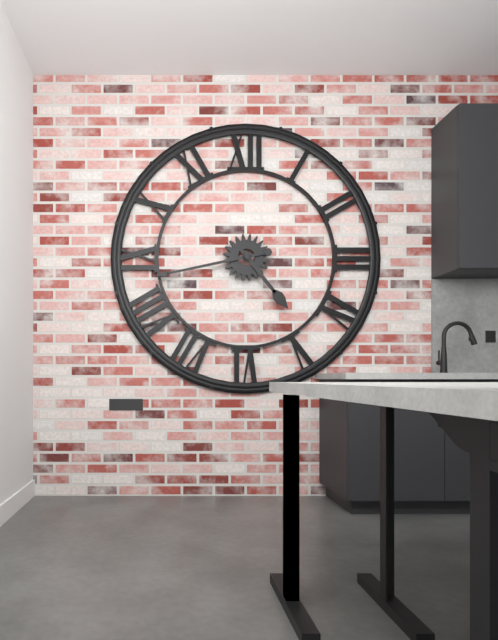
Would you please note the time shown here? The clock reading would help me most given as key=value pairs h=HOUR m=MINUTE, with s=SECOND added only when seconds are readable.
h=4 m=43
